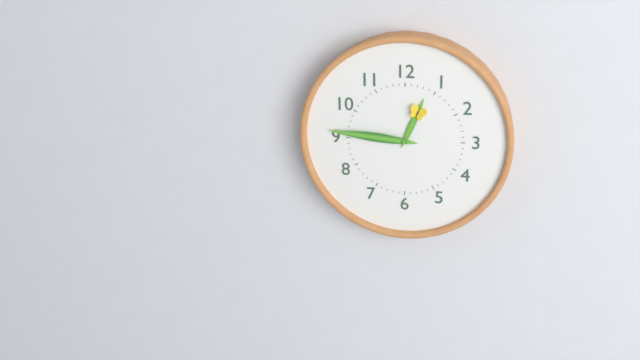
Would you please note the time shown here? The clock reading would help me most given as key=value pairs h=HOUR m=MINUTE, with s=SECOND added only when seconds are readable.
h=12 m=46
